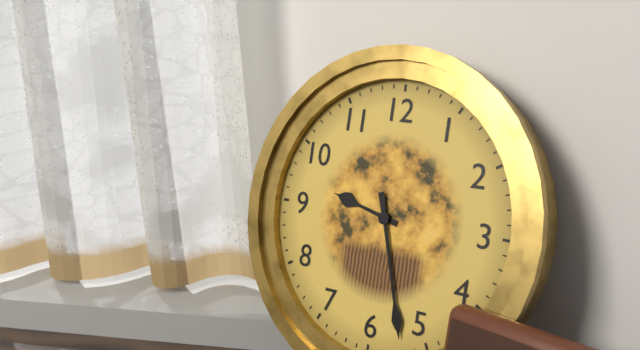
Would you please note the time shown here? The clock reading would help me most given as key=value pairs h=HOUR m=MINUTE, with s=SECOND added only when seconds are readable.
h=9 m=27
